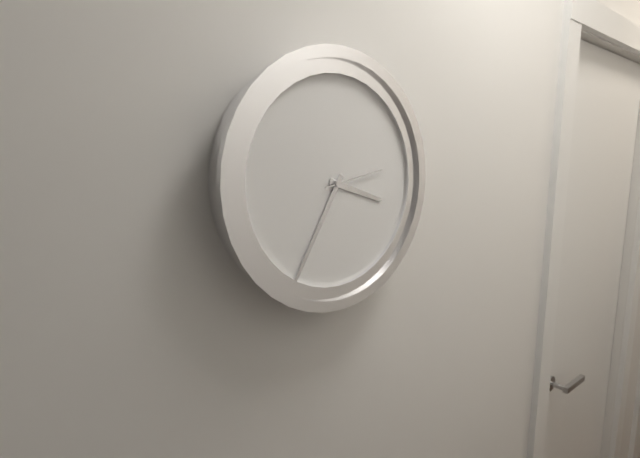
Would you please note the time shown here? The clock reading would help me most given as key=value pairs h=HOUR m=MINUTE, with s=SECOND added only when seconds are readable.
h=3 m=35 s=13
